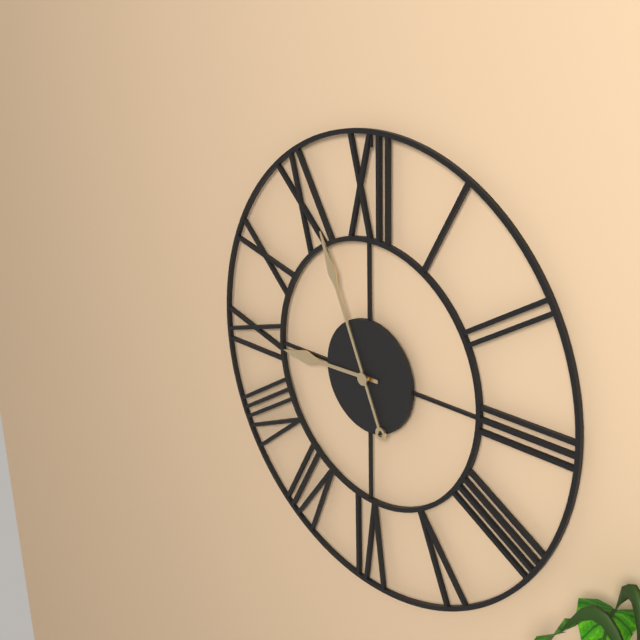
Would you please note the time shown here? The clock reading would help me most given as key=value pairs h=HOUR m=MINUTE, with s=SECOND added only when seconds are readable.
h=8 m=56
